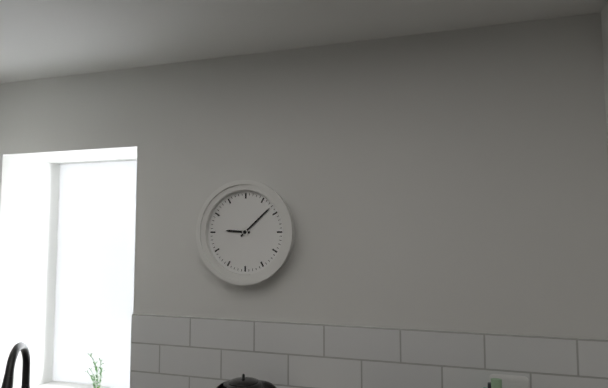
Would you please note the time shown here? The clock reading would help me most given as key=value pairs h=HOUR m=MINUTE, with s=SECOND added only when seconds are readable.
h=9 m=8
